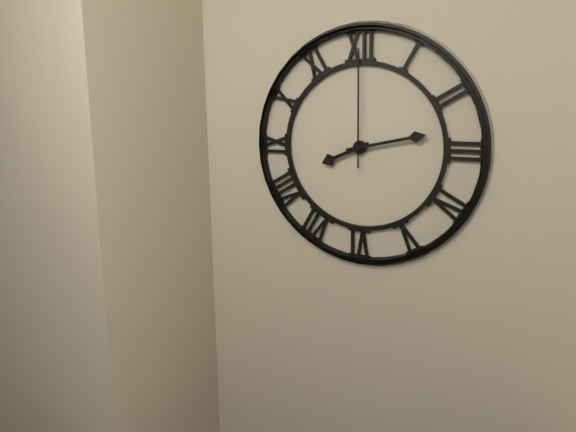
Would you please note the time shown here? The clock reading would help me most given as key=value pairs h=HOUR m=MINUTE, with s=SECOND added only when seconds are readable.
h=8 m=13 s=0
